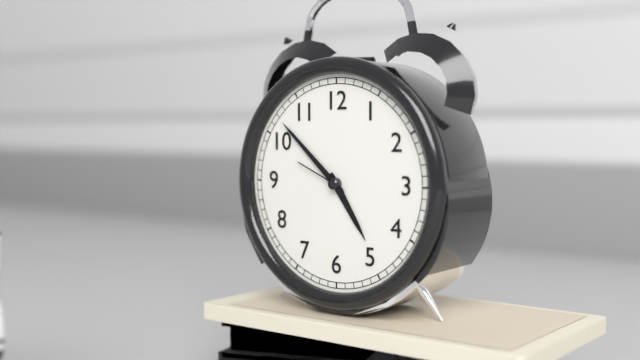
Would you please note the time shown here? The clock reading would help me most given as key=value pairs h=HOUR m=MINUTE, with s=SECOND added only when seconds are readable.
h=4 m=52 s=49
